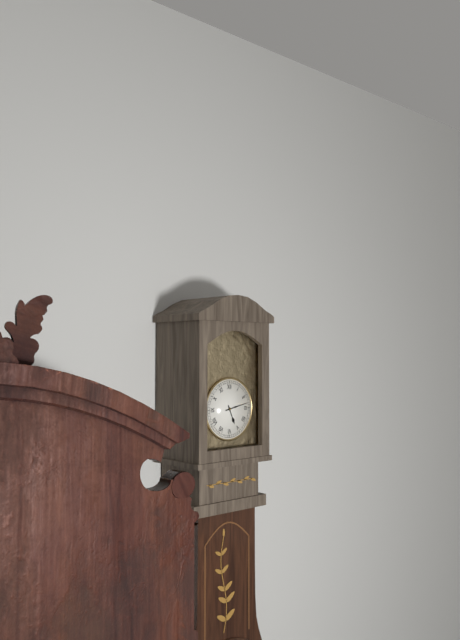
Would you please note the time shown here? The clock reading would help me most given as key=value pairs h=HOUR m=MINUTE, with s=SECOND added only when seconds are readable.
h=5 m=13
